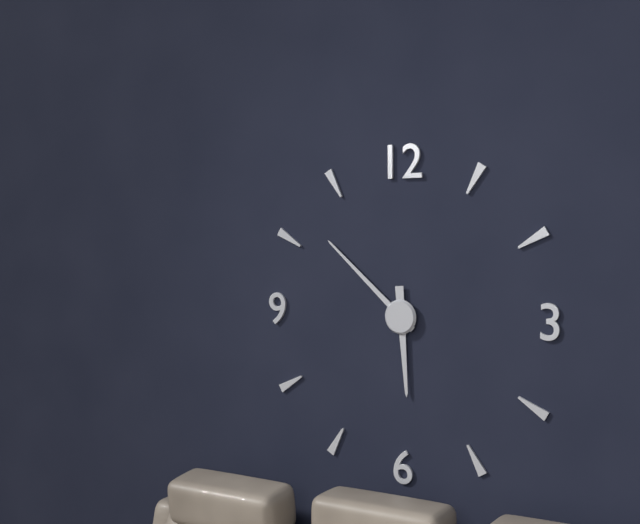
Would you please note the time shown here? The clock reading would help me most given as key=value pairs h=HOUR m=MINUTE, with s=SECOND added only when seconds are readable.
h=5 m=52
